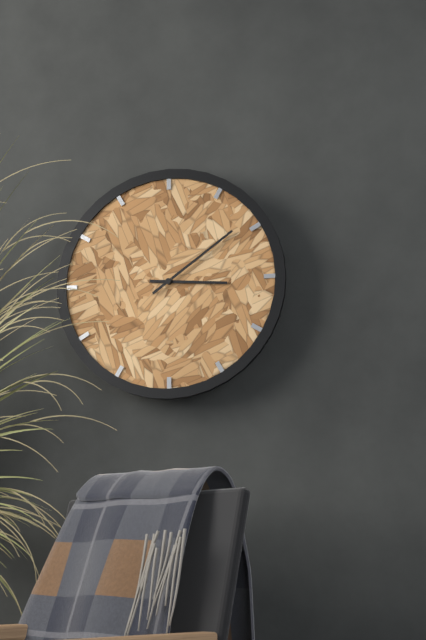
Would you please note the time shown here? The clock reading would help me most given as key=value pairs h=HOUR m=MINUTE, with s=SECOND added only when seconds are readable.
h=3 m=9
